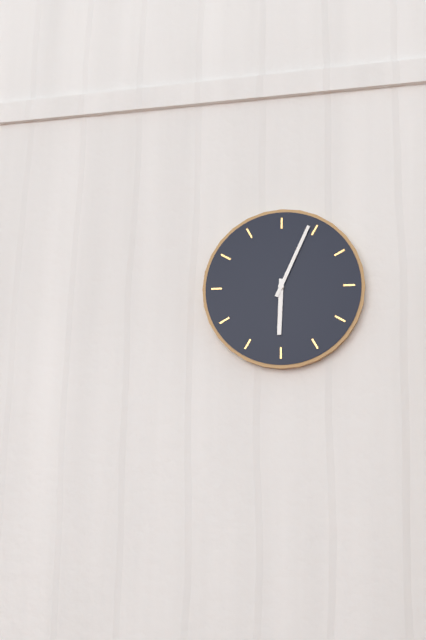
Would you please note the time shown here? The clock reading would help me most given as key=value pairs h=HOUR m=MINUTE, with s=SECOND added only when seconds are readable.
h=6 m=4
